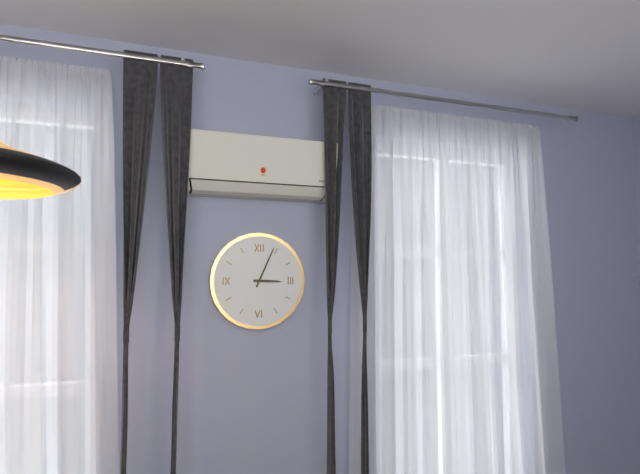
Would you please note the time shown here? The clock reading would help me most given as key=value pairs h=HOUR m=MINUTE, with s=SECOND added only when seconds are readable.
h=3 m=4
